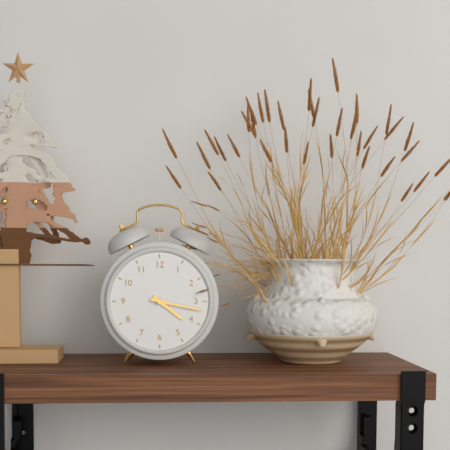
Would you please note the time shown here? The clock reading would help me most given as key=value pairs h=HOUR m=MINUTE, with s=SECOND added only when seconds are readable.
h=4 m=17
